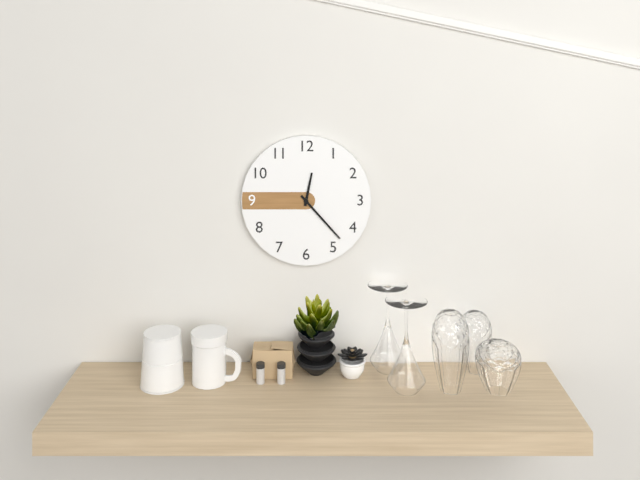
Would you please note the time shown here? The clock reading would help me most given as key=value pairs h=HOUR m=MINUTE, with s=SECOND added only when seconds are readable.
h=12 m=23
